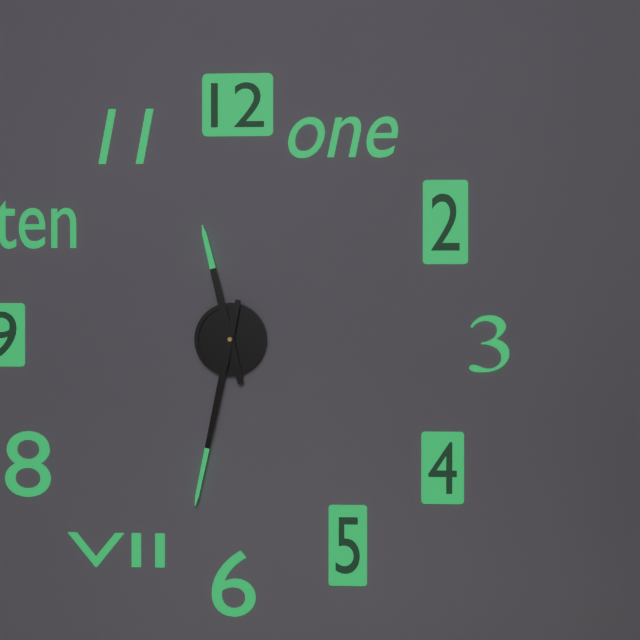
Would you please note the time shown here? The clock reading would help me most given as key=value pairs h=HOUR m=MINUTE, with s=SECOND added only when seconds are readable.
h=11 m=32
